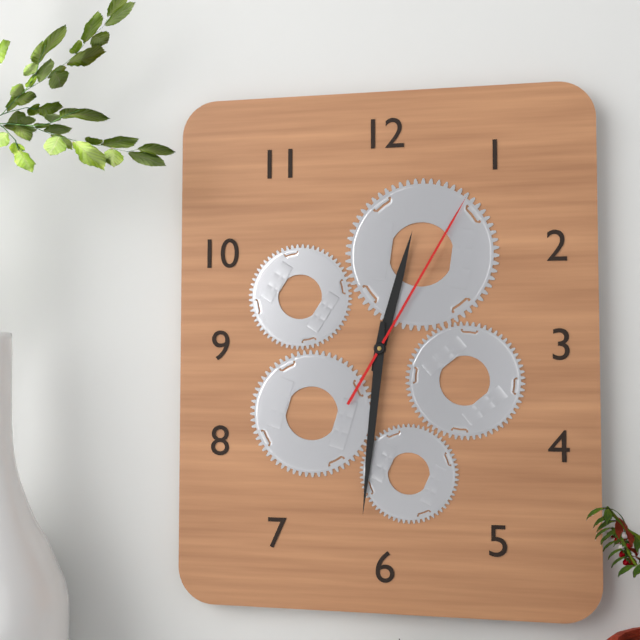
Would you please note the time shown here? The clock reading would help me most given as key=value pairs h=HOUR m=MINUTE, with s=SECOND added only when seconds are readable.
h=12 m=31 s=5
